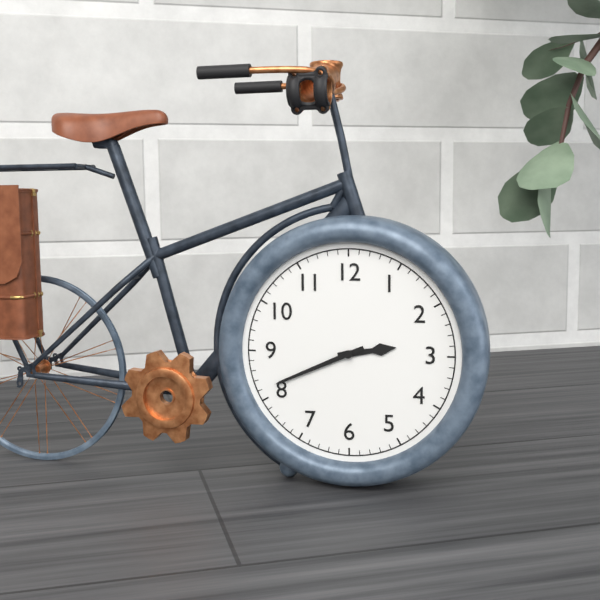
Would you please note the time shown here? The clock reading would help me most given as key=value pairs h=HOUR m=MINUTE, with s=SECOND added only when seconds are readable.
h=2 m=41
